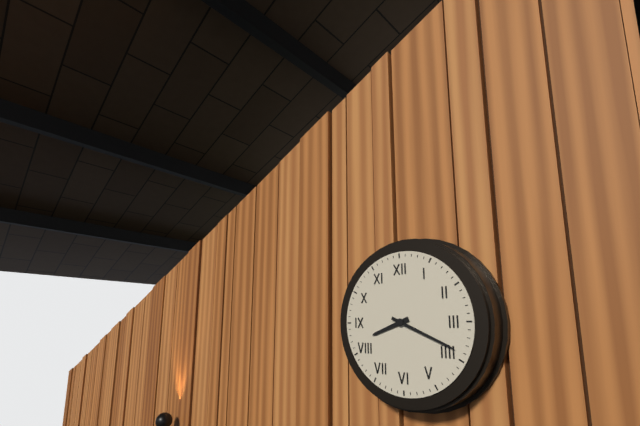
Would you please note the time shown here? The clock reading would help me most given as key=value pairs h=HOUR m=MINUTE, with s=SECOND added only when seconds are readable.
h=8 m=19
